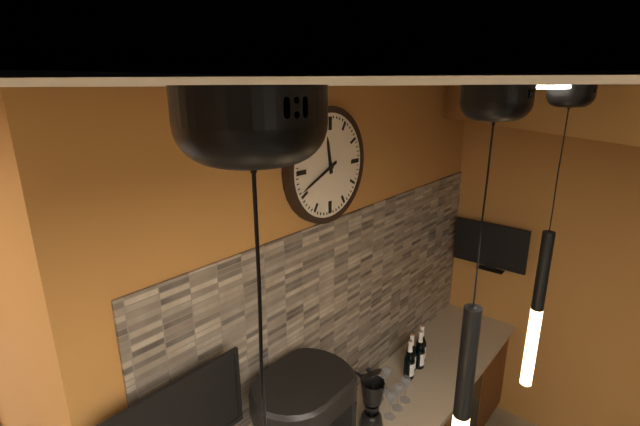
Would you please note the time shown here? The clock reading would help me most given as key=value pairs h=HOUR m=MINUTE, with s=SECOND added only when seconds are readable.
h=11 m=41
